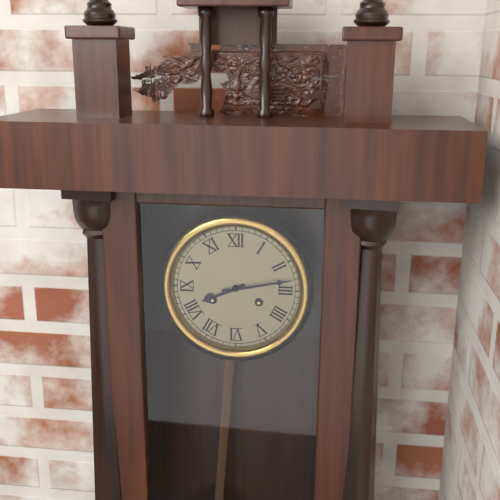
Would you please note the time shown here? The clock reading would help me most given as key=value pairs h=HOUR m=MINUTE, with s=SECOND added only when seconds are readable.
h=8 m=13
